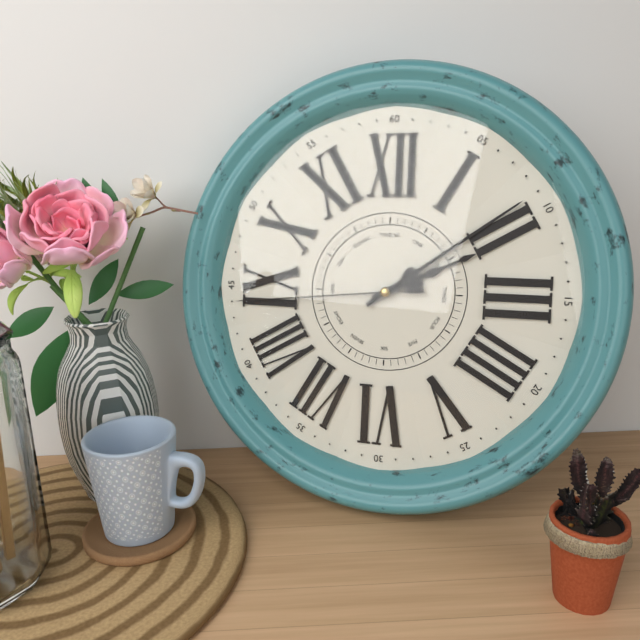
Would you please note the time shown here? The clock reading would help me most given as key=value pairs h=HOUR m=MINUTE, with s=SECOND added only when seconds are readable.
h=2 m=9 s=44
